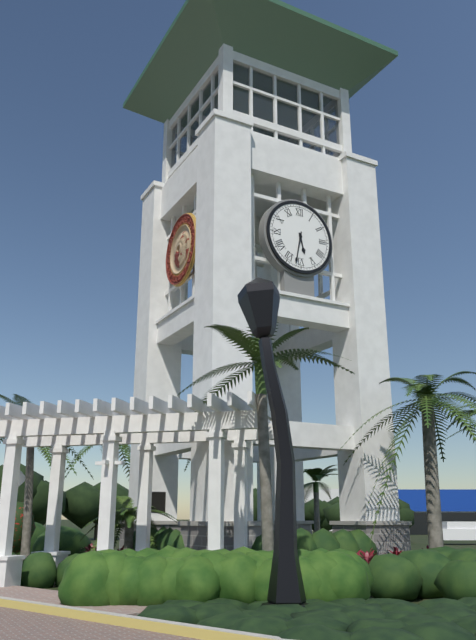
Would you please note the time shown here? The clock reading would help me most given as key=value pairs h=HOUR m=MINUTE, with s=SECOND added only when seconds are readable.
h=5 m=32
